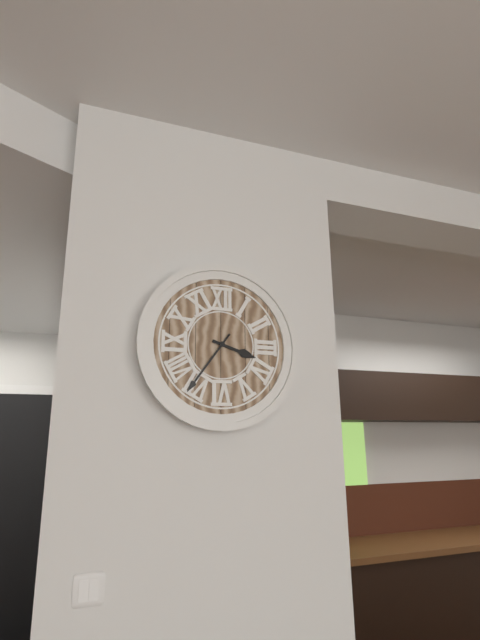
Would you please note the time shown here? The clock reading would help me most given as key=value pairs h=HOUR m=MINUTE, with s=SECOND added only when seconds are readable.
h=3 m=36
